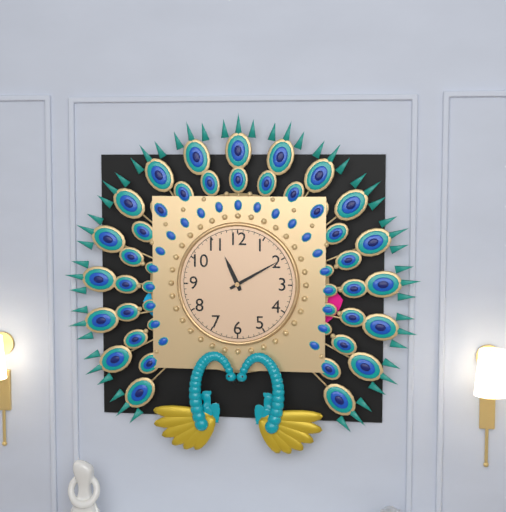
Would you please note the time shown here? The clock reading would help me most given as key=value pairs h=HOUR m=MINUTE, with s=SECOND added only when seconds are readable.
h=11 m=10
